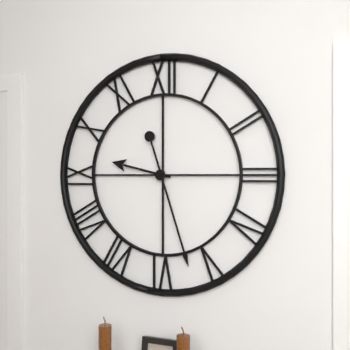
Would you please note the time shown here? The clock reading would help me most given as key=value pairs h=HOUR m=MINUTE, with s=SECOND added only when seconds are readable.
h=9 m=27
